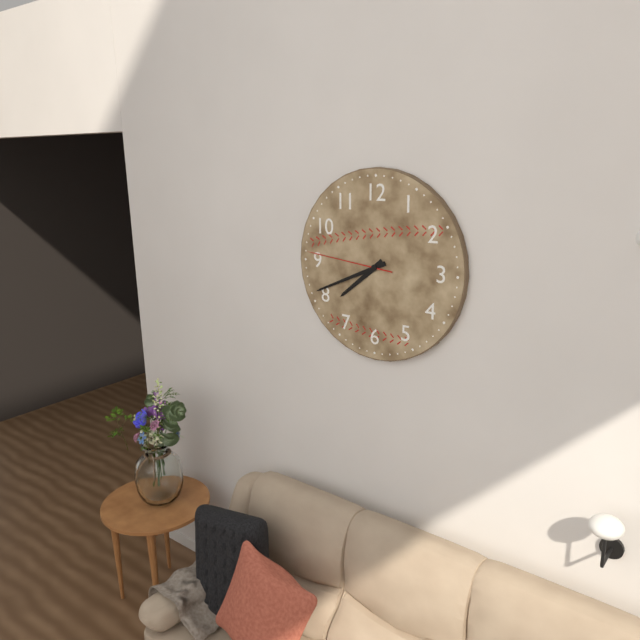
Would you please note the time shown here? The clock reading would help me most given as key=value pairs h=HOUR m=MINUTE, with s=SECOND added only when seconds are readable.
h=7 m=41 s=46
